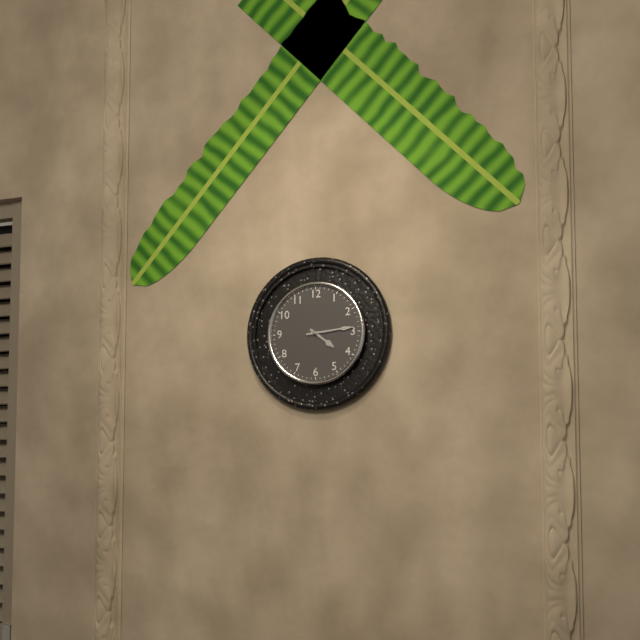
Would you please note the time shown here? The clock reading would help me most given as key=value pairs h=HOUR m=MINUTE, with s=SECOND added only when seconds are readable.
h=4 m=14
